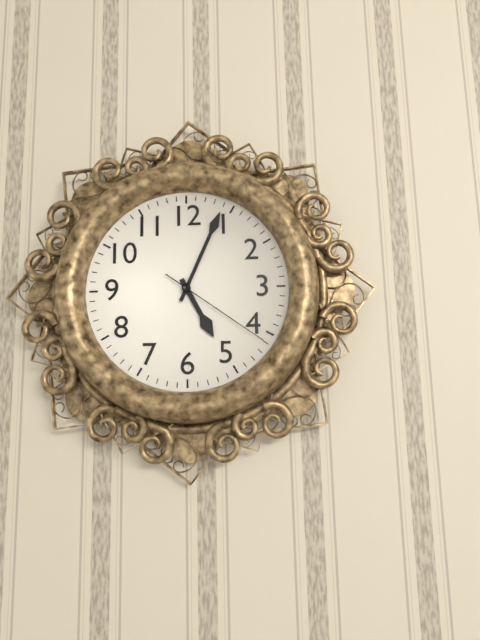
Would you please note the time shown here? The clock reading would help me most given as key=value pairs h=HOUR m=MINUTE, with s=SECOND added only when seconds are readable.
h=5 m=4 s=21
